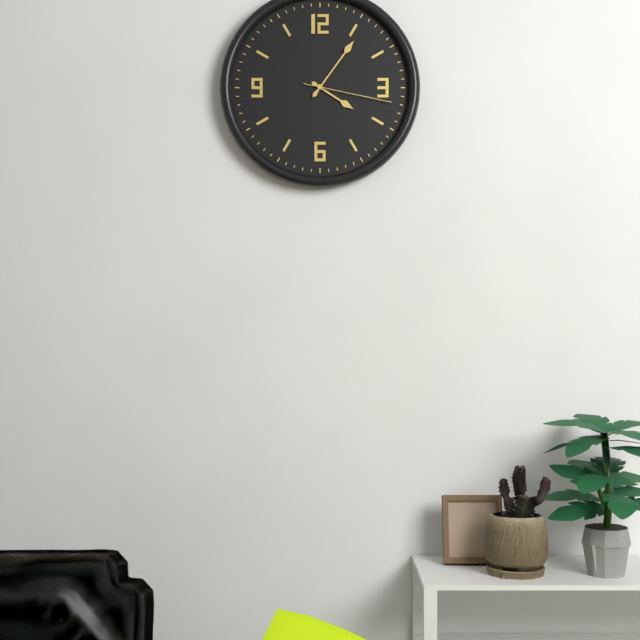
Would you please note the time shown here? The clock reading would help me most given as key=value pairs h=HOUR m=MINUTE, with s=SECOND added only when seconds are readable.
h=4 m=6 s=17
